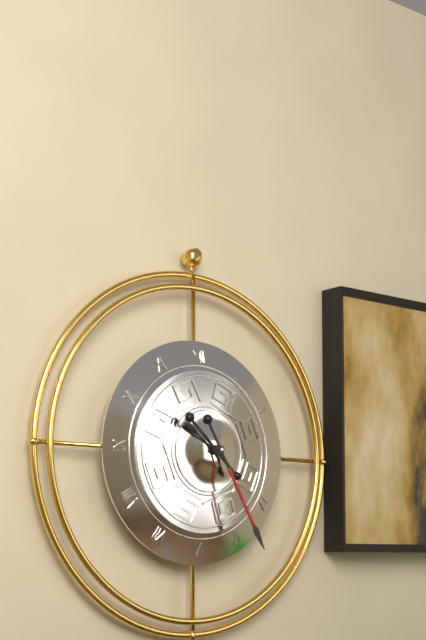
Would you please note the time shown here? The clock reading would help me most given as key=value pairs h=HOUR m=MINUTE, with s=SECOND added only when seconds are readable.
h=10 m=25
